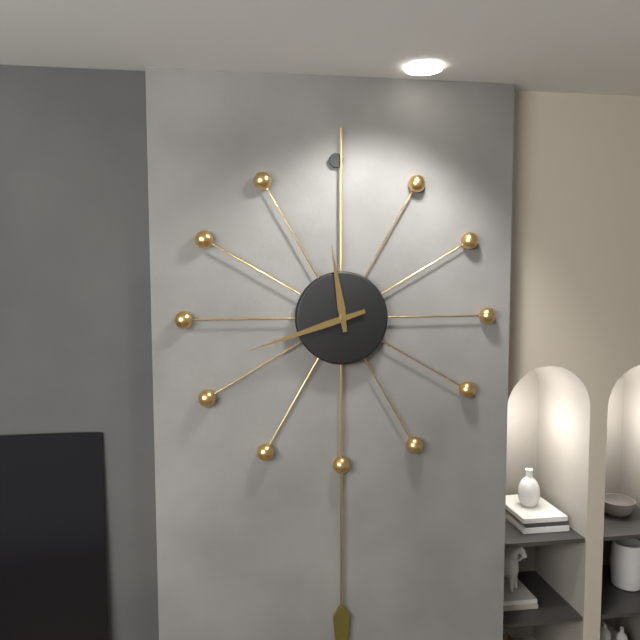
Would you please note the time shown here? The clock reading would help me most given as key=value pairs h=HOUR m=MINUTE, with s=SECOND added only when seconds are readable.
h=11 m=42
